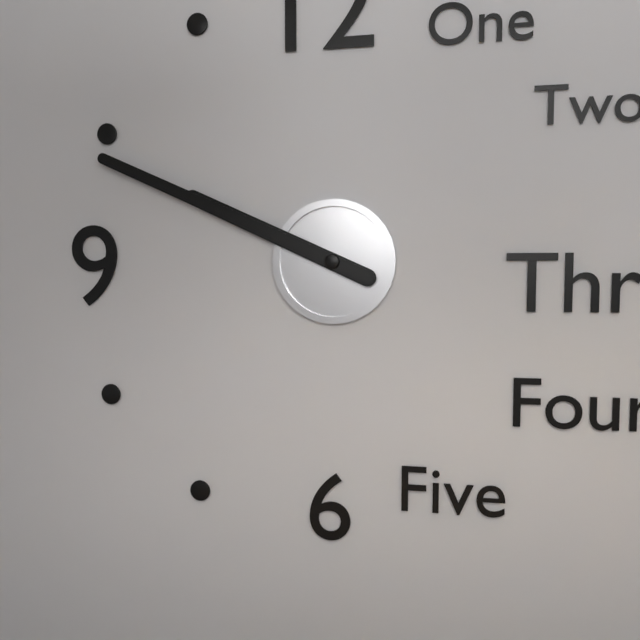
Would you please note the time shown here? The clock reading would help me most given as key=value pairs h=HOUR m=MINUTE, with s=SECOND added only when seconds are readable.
h=9 m=49
